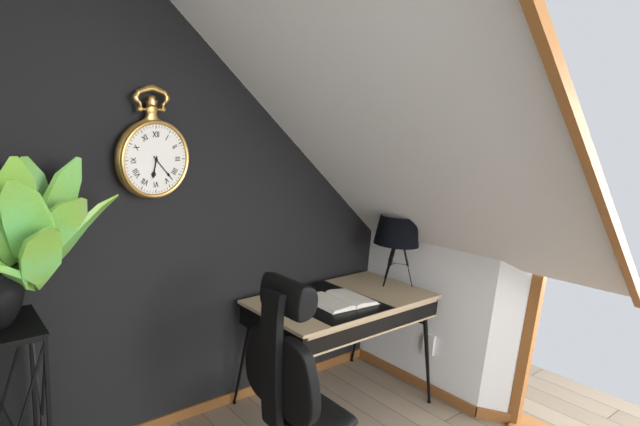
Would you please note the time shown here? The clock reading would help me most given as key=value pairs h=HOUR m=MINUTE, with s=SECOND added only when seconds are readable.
h=6 m=23
